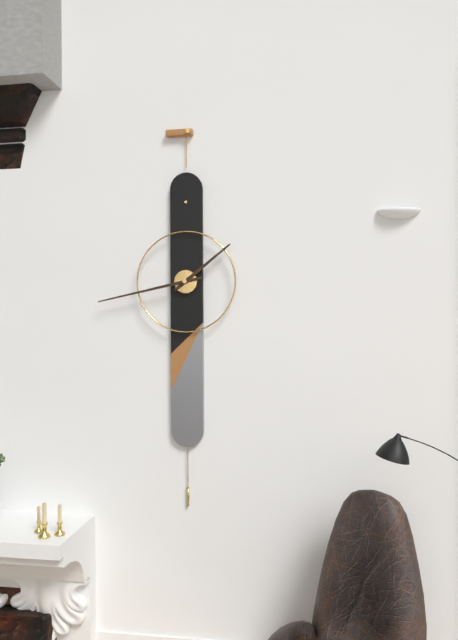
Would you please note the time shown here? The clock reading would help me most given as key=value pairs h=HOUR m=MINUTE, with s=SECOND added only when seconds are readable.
h=1 m=43
